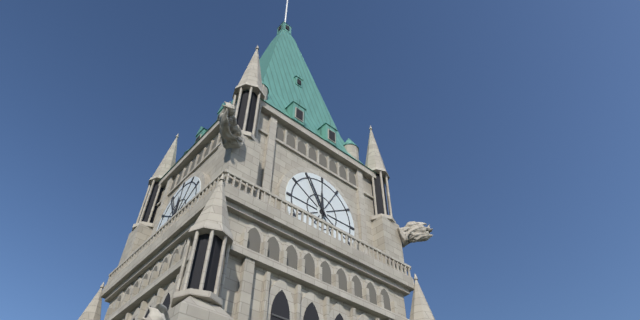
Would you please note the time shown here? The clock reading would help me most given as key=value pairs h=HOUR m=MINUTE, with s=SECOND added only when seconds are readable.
h=11 m=55
